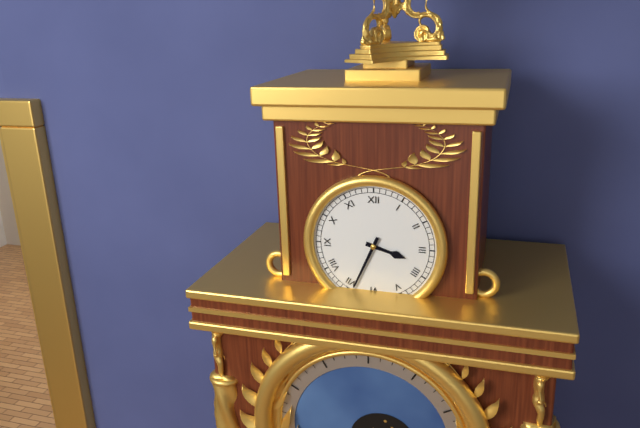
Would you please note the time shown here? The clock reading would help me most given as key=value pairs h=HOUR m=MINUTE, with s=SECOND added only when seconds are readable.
h=3 m=34
